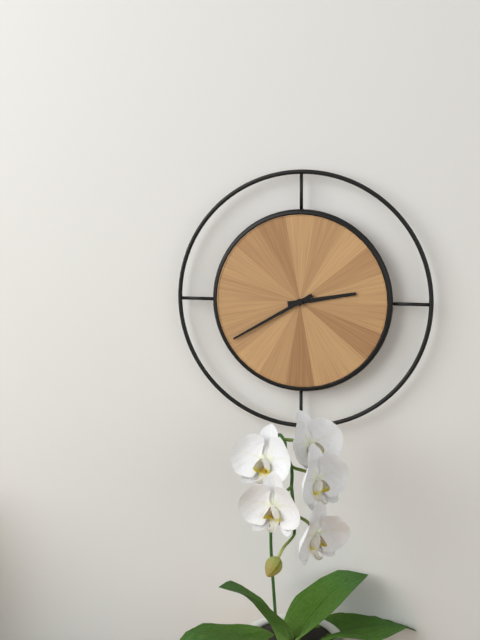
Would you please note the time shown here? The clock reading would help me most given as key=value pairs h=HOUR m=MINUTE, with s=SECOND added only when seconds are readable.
h=2 m=40
